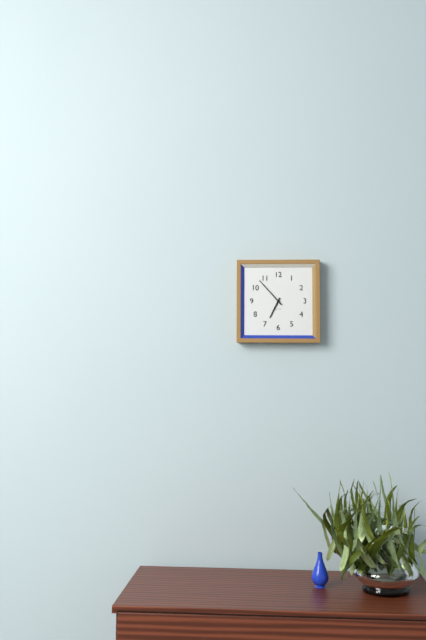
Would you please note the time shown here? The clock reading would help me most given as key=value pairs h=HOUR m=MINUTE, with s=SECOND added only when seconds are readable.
h=6 m=53
